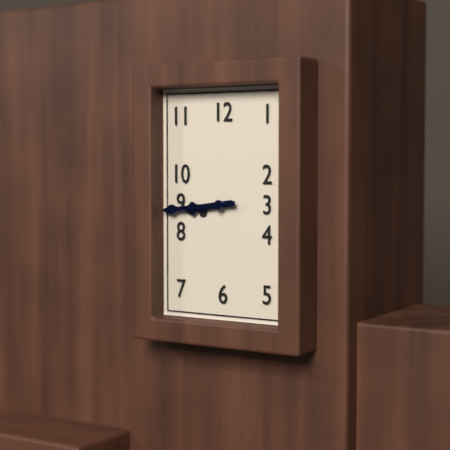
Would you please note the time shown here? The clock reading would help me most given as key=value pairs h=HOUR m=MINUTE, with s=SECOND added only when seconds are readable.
h=8 m=44
